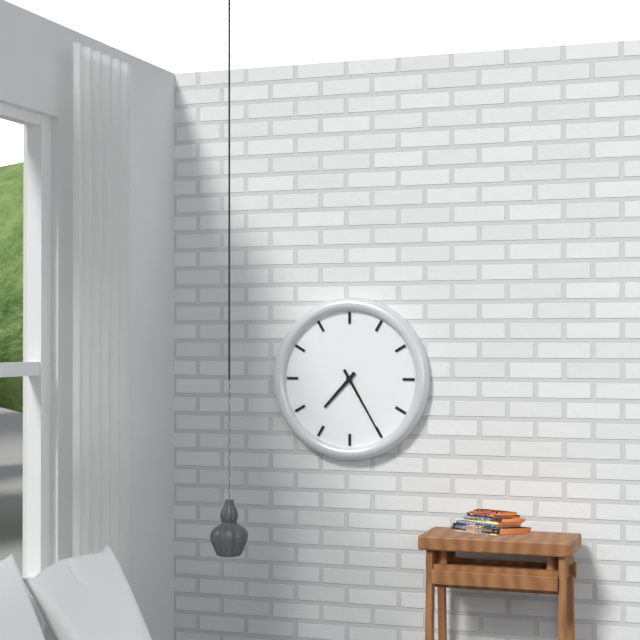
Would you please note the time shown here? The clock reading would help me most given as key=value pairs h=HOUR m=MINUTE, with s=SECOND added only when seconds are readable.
h=7 m=25
